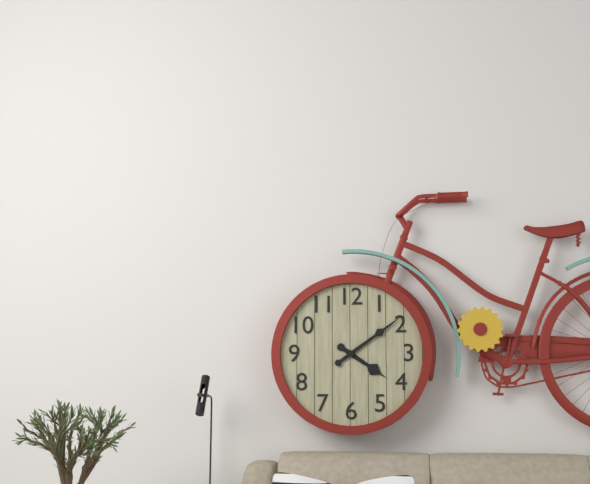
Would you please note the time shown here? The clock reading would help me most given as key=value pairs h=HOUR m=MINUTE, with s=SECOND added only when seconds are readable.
h=4 m=9
